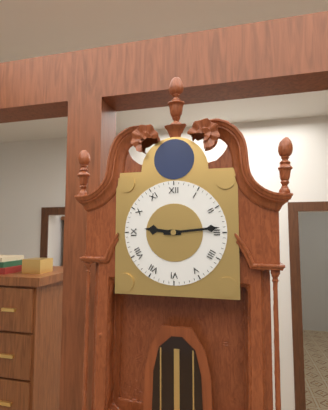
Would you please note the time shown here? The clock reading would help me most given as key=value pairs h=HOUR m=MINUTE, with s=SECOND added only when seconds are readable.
h=9 m=14
